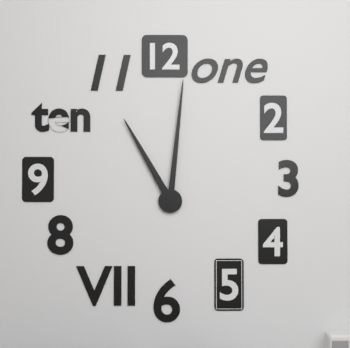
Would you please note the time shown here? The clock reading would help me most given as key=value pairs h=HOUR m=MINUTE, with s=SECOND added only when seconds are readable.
h=11 m=1
